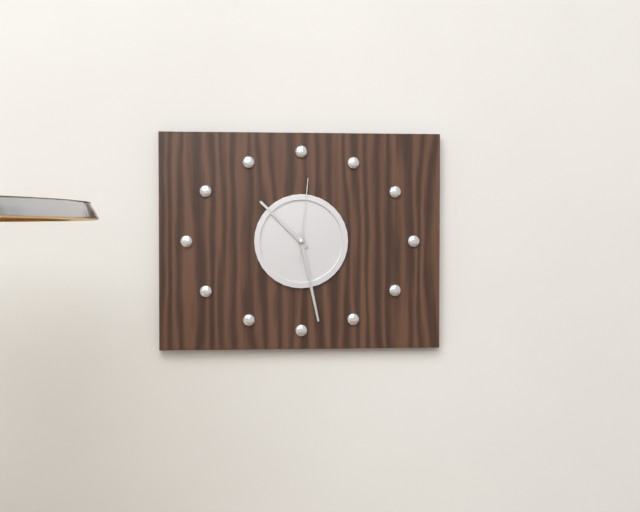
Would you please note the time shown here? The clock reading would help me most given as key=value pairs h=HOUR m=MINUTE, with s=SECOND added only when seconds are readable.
h=10 m=28 s=1
